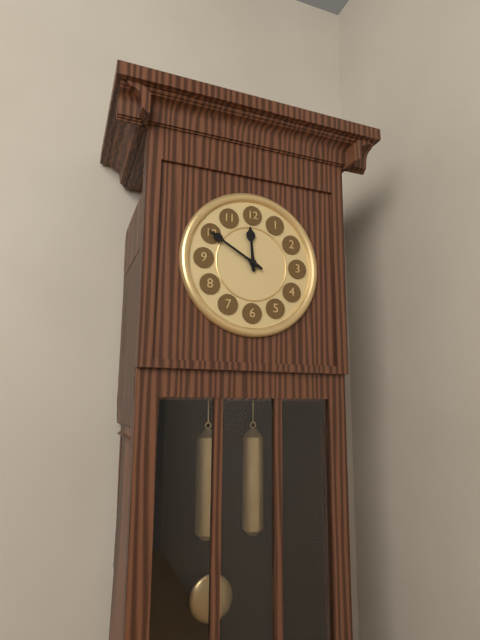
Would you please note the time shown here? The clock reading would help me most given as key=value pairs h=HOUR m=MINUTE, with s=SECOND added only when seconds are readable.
h=11 m=50
